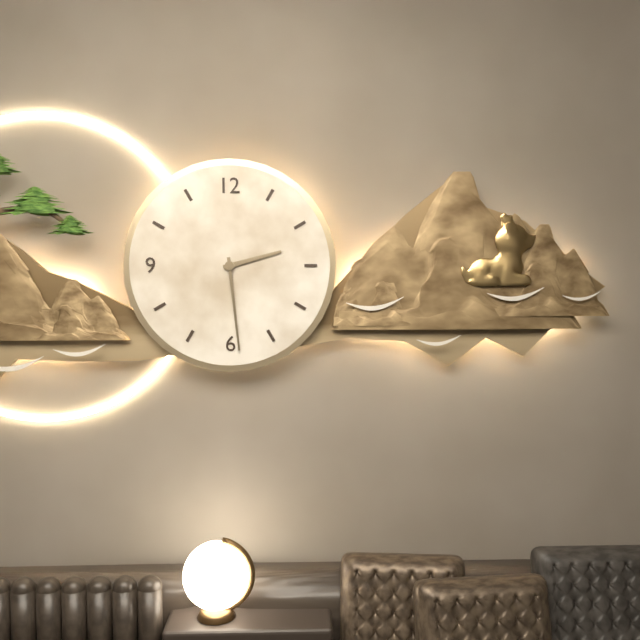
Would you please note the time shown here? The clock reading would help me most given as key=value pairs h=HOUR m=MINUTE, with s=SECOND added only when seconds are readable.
h=2 m=29
